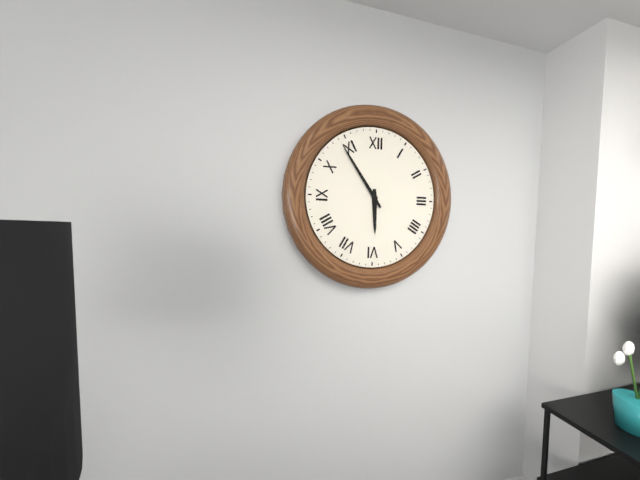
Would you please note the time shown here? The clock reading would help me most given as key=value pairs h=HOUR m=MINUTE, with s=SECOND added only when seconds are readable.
h=5 m=54
